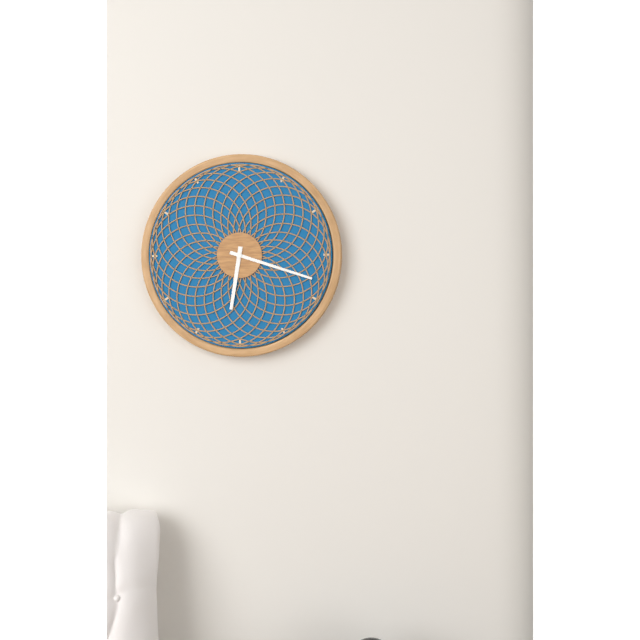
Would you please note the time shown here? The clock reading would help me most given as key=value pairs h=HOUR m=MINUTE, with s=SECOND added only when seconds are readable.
h=6 m=18
